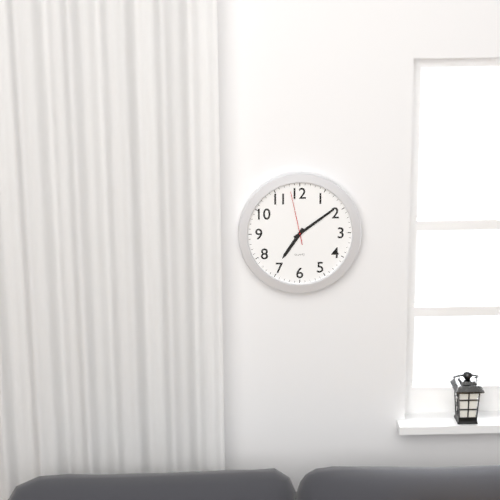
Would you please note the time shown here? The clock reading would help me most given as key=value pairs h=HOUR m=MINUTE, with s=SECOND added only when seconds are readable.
h=7 m=9 s=58
